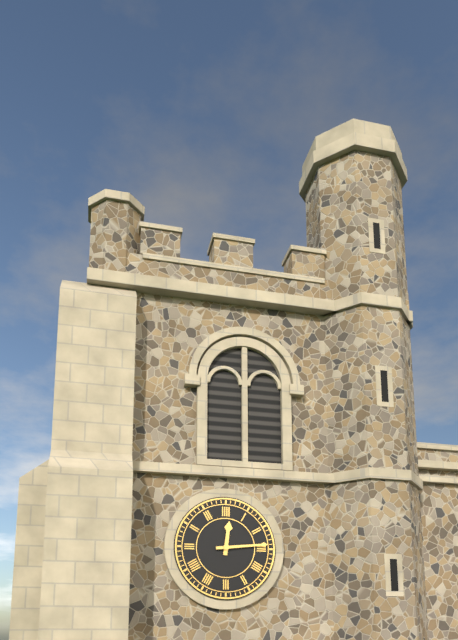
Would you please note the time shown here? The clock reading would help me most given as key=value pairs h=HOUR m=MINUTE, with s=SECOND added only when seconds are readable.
h=12 m=14
